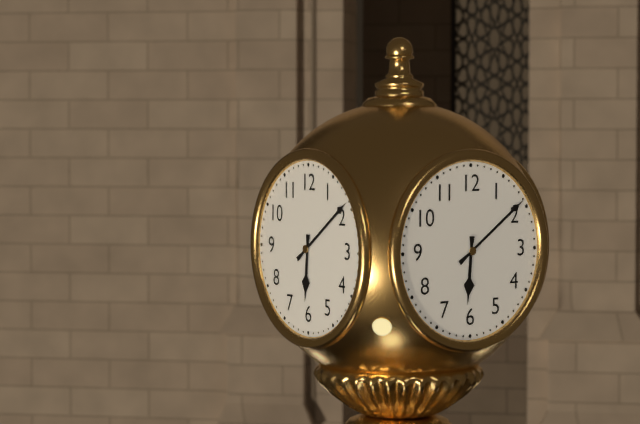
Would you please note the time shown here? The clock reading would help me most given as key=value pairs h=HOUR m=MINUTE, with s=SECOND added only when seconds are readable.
h=6 m=9
